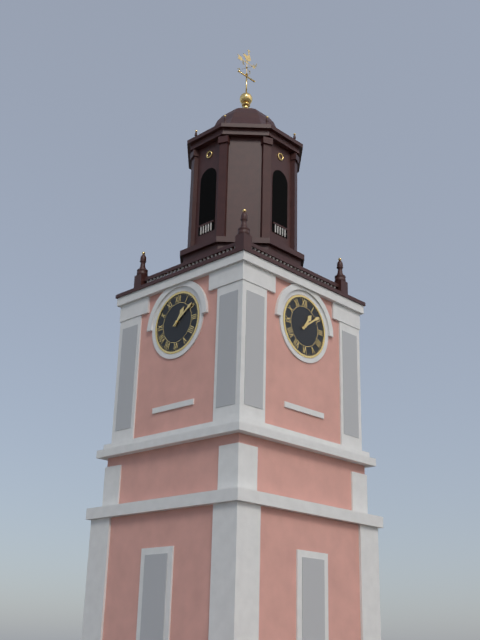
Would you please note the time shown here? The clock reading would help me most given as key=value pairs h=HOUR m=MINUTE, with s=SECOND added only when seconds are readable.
h=1 m=9
